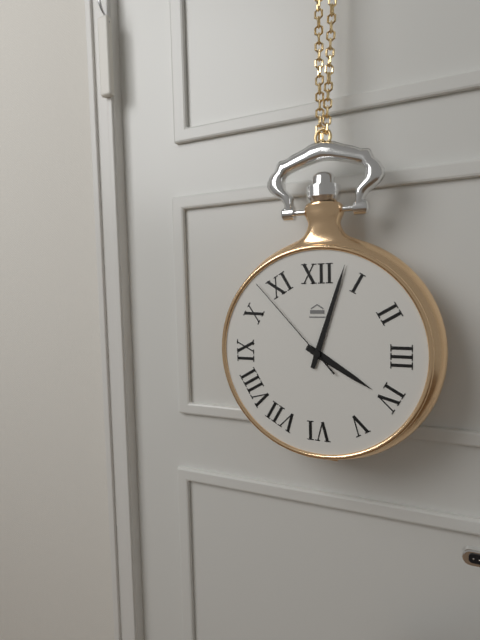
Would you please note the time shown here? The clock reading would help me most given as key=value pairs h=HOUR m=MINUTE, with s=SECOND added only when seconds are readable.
h=4 m=3 s=53
